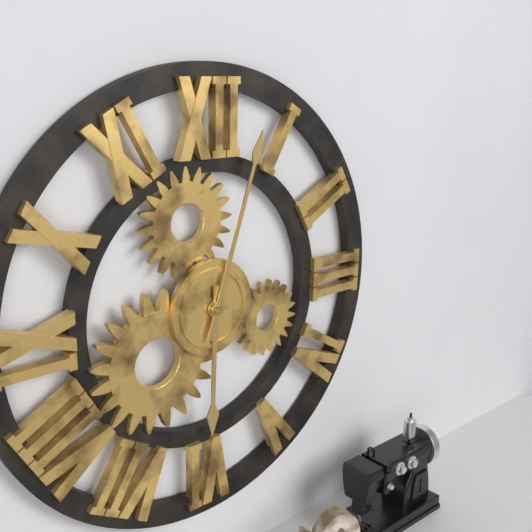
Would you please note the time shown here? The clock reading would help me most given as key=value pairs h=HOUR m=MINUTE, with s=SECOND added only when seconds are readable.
h=6 m=3
